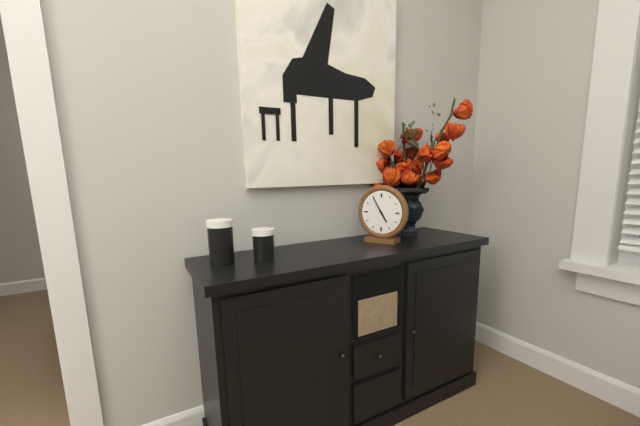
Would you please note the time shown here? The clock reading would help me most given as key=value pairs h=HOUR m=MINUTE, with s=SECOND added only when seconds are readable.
h=4 m=55
